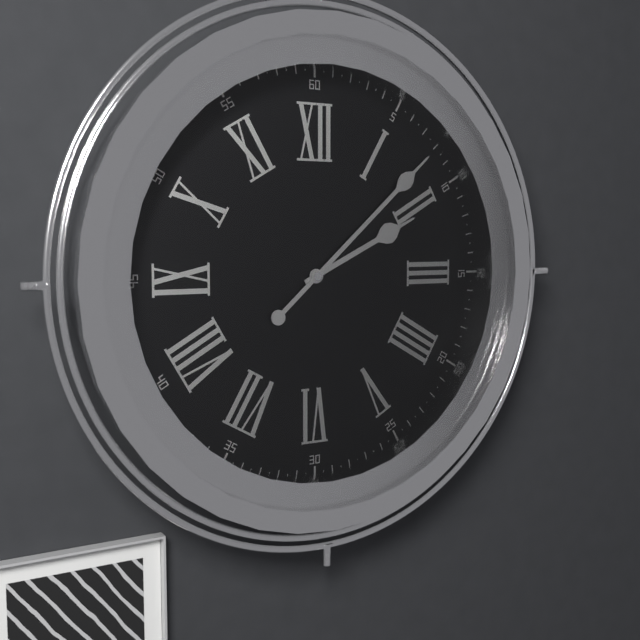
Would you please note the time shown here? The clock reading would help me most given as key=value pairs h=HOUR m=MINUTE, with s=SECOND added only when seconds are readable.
h=2 m=8
